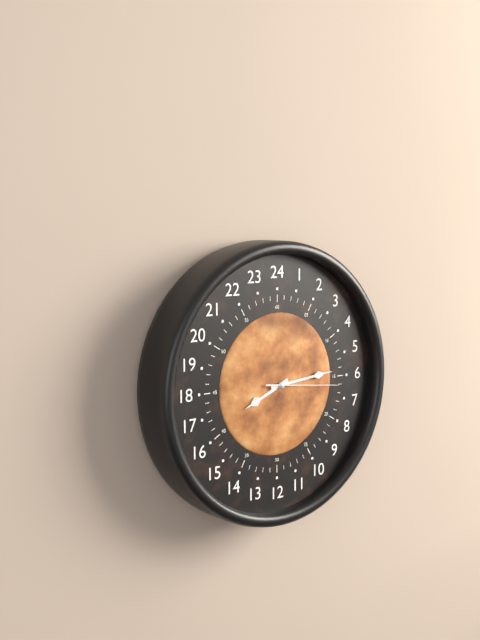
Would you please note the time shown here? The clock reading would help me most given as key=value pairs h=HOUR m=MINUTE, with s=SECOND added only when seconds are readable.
h=8 m=14 s=16
